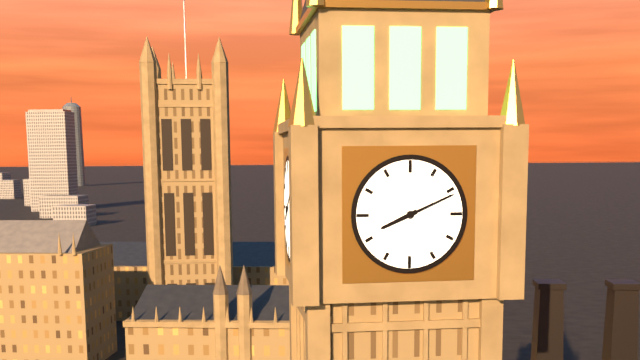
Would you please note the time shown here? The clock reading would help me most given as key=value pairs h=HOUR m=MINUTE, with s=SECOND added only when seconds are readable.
h=8 m=11
